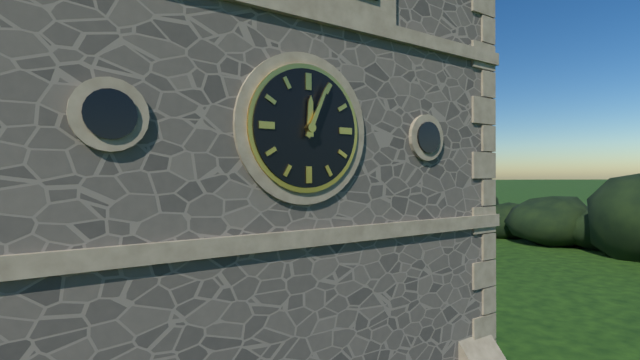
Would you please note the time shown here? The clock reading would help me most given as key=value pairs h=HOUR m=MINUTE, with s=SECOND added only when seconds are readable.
h=12 m=4
